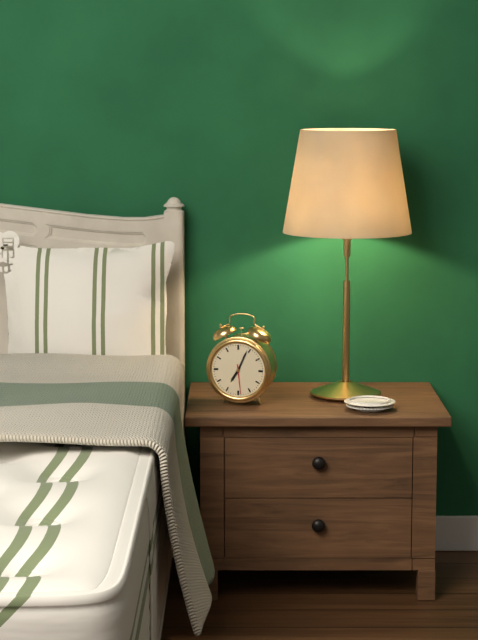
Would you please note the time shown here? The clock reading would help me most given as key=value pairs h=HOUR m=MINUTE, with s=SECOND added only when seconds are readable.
h=7 m=4
